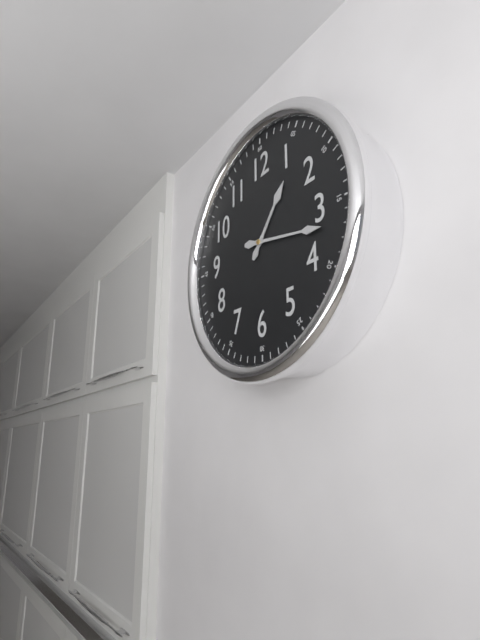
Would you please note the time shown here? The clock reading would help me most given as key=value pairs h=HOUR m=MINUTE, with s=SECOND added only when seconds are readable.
h=1 m=17
